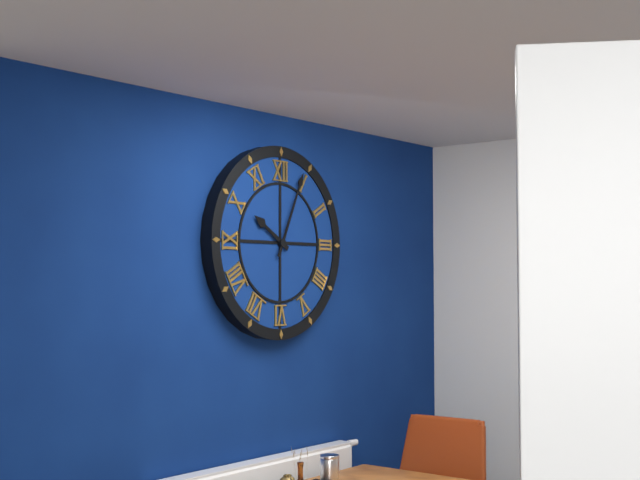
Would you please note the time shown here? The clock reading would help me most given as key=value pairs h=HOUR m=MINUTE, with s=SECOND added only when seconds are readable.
h=10 m=4
